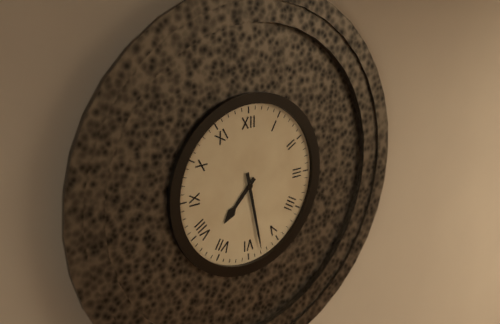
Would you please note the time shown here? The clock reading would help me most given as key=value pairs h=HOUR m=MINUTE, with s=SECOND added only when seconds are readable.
h=7 m=28
